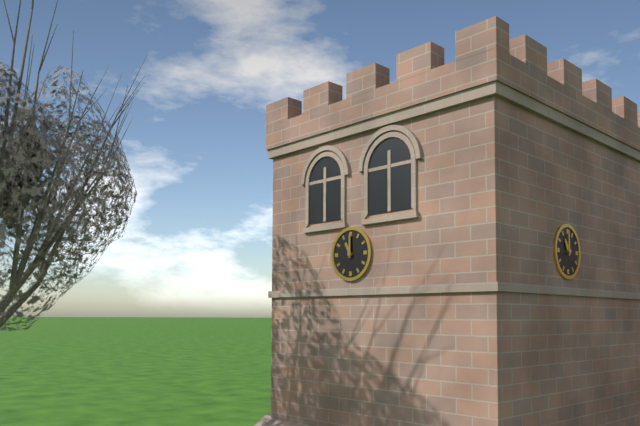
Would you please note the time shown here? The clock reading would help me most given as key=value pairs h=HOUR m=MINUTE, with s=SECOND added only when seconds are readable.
h=11 m=0
